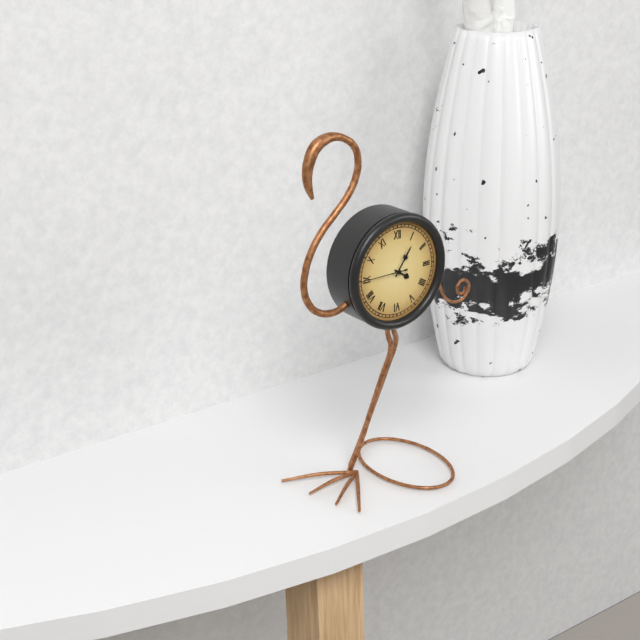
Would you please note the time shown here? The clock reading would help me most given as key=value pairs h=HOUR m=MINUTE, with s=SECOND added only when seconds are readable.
h=4 m=6
